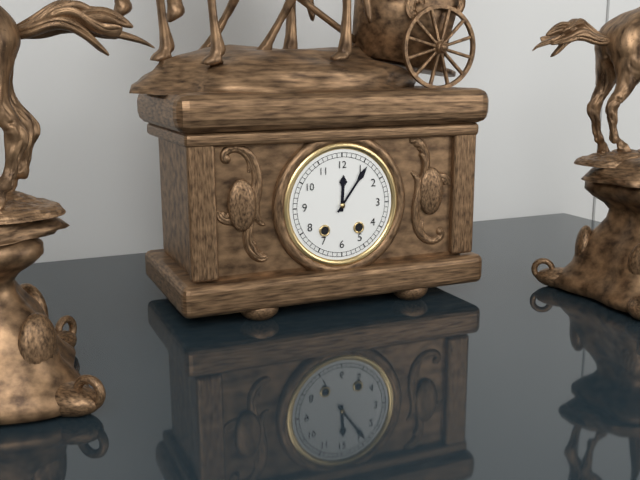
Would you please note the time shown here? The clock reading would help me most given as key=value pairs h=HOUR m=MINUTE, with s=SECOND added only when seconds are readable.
h=12 m=6
